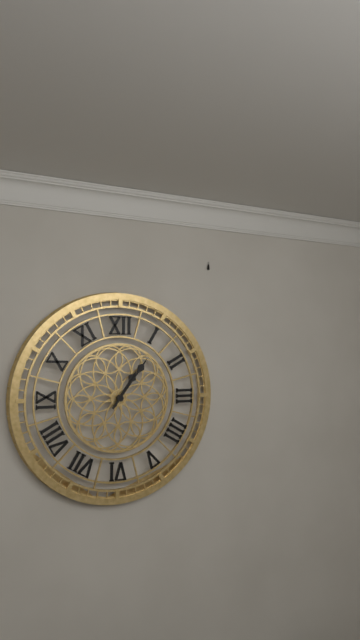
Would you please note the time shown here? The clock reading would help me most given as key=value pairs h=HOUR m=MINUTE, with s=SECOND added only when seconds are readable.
h=1 m=6
